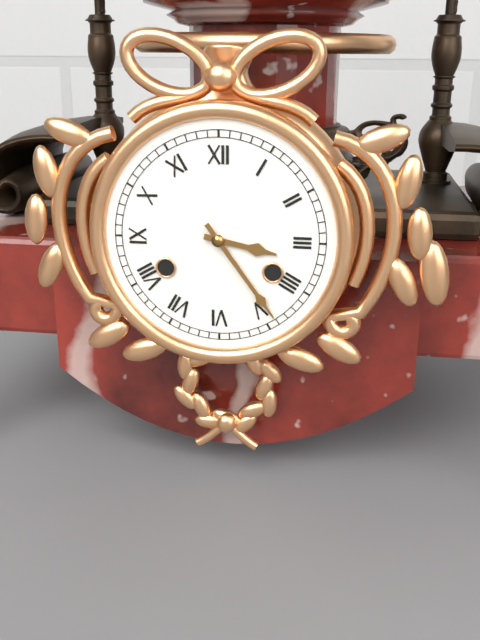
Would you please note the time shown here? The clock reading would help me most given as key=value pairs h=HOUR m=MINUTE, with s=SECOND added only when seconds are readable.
h=3 m=24
